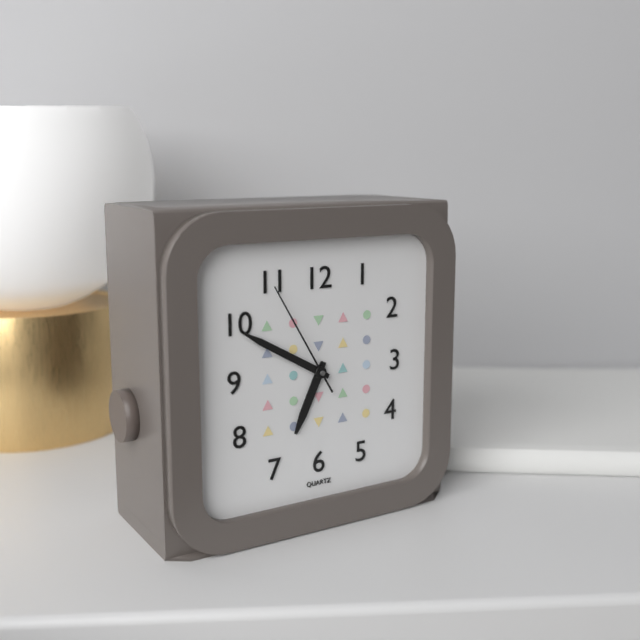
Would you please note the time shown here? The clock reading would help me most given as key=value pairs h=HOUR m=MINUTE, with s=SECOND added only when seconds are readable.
h=6 m=50 s=55
